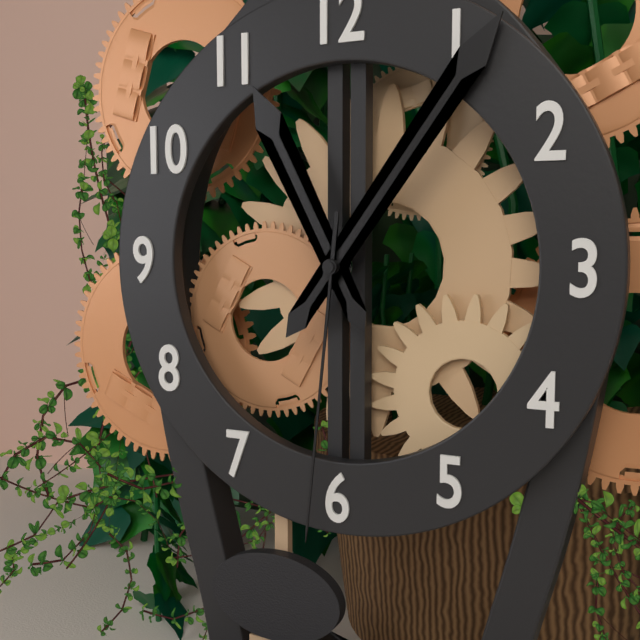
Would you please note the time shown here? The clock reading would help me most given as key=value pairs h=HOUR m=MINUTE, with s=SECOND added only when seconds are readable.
h=11 m=6 s=31
